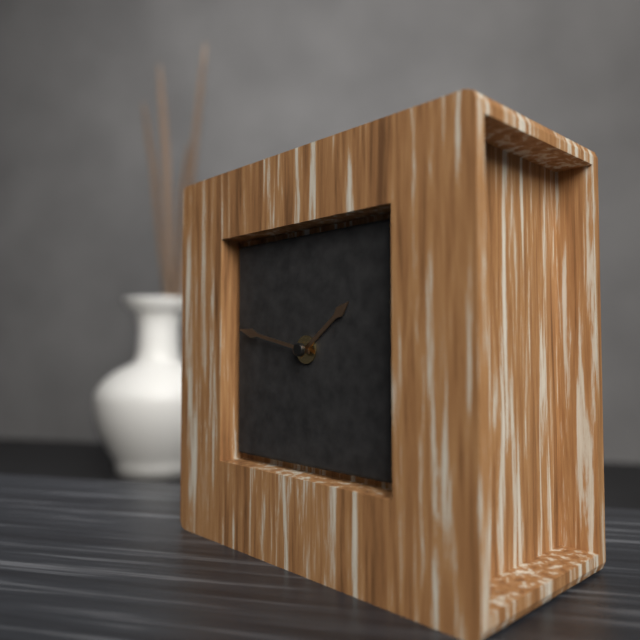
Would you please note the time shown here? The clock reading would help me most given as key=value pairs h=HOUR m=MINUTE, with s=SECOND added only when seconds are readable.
h=1 m=47
